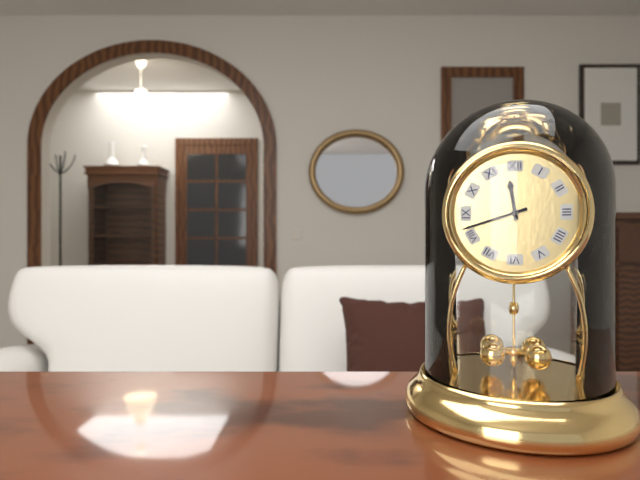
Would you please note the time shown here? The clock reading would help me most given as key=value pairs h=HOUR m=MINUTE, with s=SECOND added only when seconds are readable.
h=11 m=42
